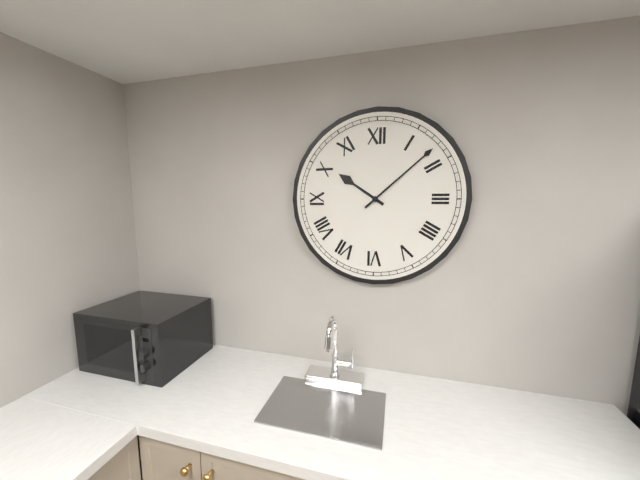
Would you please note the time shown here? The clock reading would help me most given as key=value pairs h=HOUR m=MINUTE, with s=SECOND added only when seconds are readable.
h=10 m=8
